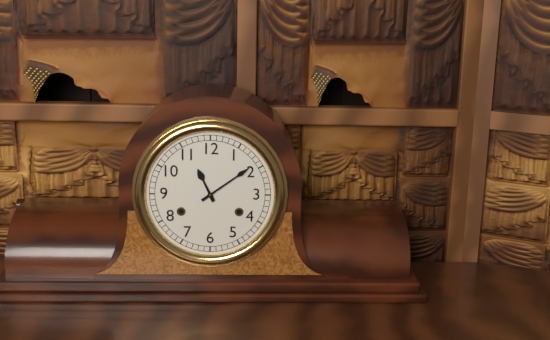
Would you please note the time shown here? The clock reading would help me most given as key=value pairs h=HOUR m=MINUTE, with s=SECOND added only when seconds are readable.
h=11 m=9
